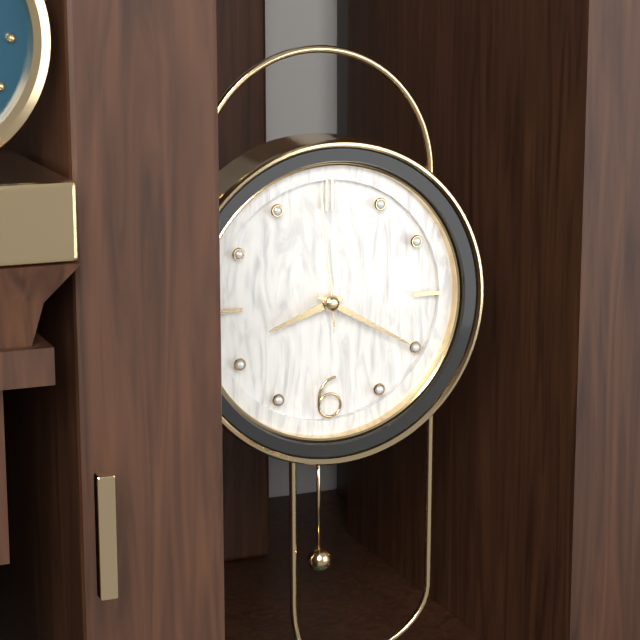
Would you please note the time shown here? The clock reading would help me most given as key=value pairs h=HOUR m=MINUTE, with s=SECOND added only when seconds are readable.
h=8 m=20 s=59
